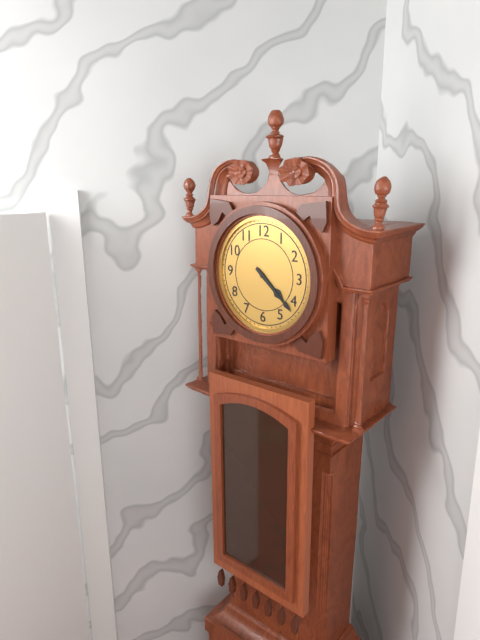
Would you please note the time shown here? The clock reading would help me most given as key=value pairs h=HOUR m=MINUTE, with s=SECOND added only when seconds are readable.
h=4 m=22
